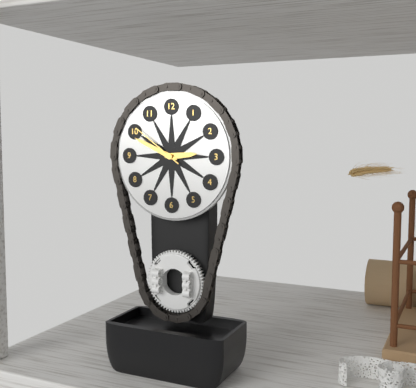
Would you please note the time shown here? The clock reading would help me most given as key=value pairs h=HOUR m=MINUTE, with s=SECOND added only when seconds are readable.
h=2 m=49 s=51
